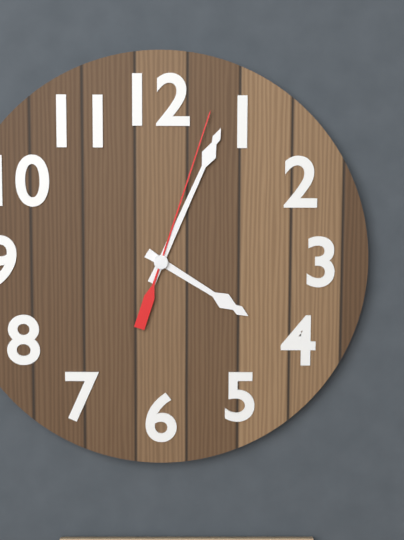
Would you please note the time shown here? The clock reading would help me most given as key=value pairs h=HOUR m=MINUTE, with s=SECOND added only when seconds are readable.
h=4 m=4 s=3
